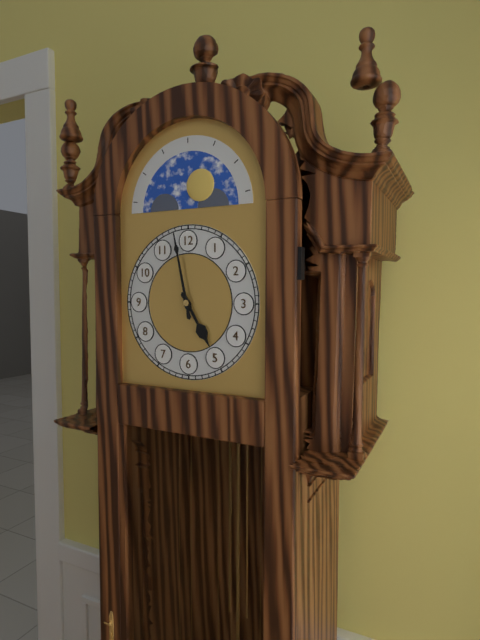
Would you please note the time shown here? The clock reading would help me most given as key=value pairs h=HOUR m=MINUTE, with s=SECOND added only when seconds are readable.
h=4 m=58
